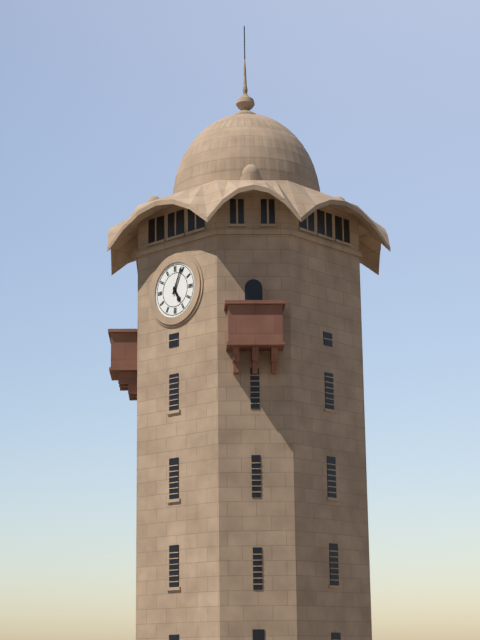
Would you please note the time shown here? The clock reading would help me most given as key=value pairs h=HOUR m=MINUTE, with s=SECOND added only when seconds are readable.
h=5 m=4
